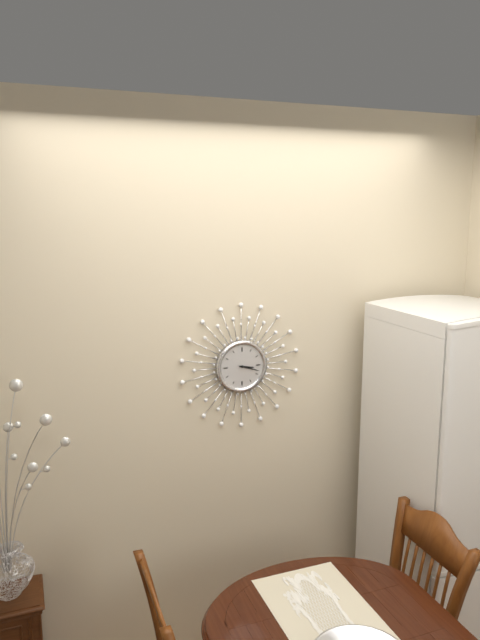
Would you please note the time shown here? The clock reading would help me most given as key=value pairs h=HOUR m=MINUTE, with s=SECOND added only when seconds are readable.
h=3 m=18
